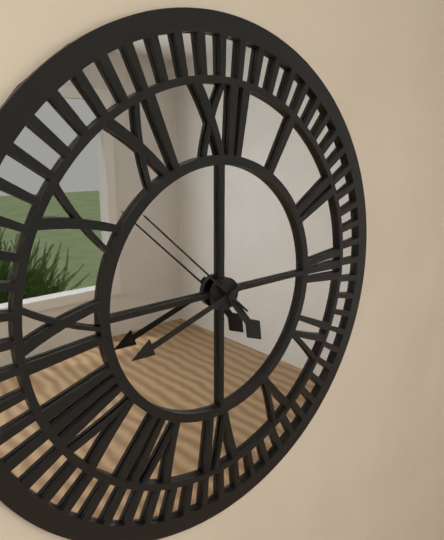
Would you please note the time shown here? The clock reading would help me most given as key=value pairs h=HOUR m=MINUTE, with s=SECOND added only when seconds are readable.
h=4 m=42 s=52
